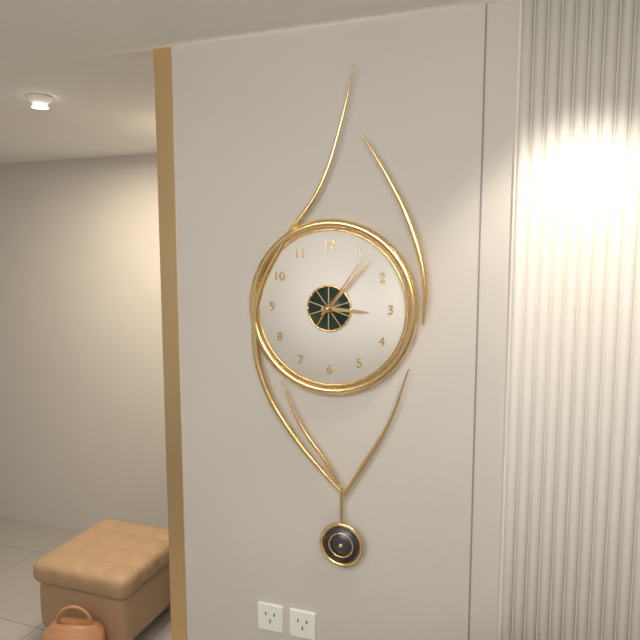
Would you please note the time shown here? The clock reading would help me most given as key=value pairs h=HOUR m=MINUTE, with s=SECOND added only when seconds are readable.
h=3 m=7 s=6
